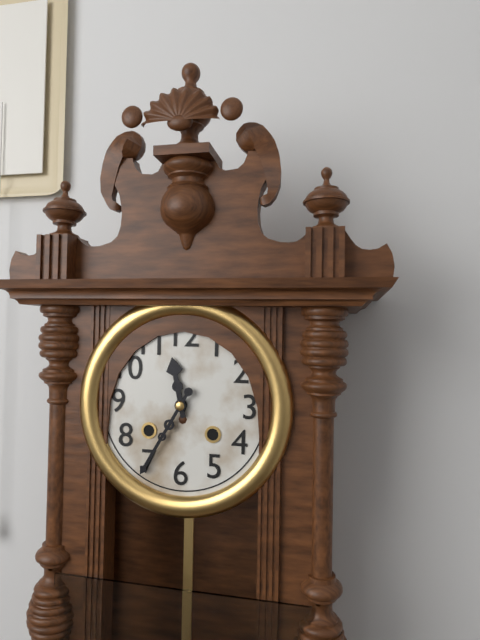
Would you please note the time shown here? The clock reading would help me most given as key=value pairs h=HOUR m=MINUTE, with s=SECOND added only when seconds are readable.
h=11 m=35
